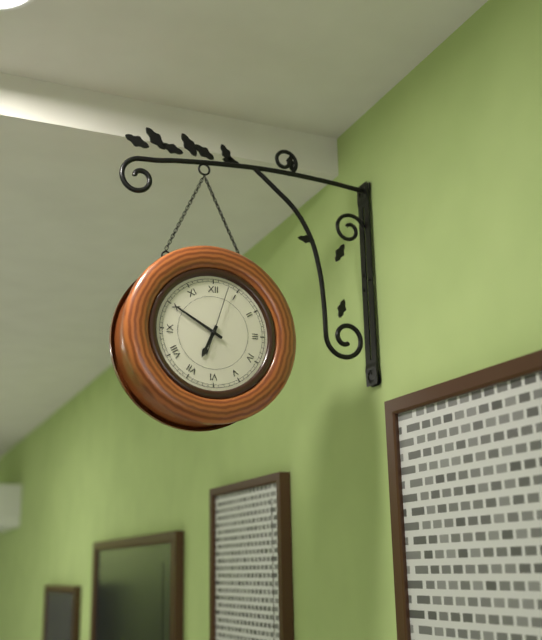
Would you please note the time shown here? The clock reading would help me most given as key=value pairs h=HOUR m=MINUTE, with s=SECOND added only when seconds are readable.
h=6 m=50 s=3
